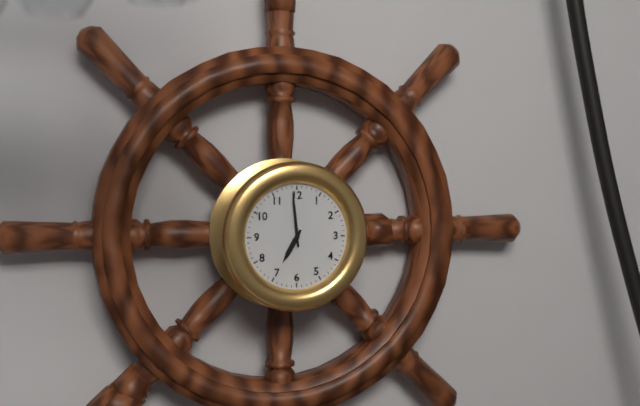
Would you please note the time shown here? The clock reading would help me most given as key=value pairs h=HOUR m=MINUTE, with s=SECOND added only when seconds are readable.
h=6 m=59
